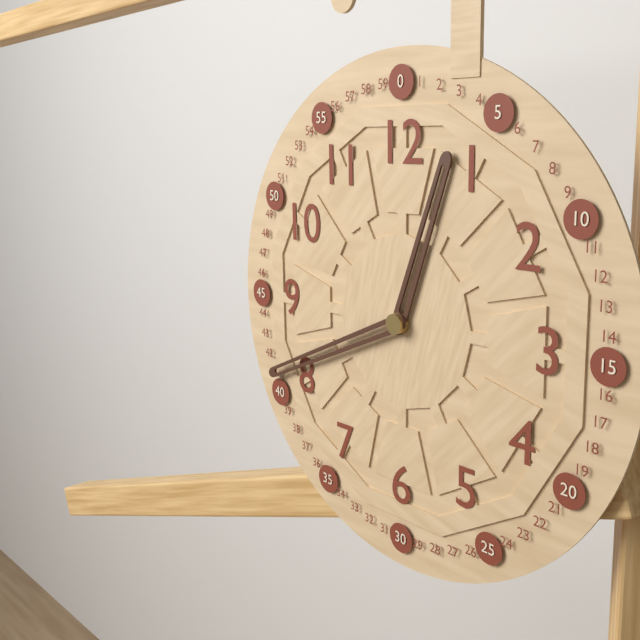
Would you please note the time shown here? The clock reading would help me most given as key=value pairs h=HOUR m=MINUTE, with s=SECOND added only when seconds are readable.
h=12 m=41
